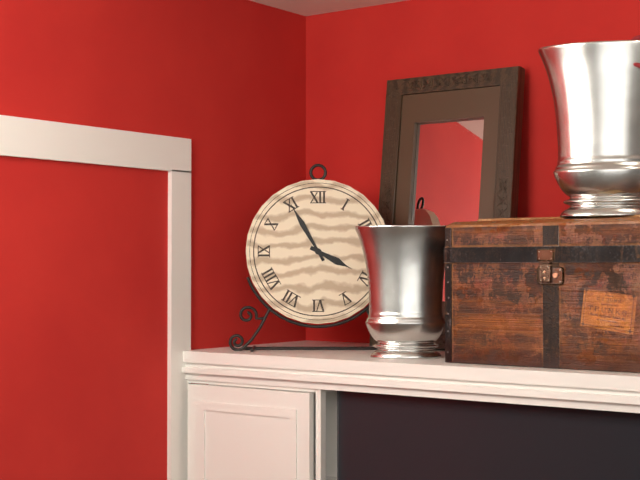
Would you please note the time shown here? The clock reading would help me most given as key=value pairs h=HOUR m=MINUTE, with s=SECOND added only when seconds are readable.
h=3 m=55
